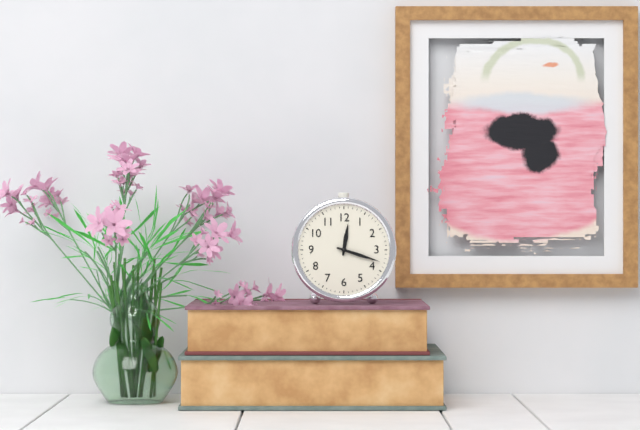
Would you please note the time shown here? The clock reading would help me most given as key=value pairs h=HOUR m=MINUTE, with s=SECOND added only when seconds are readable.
h=12 m=18
